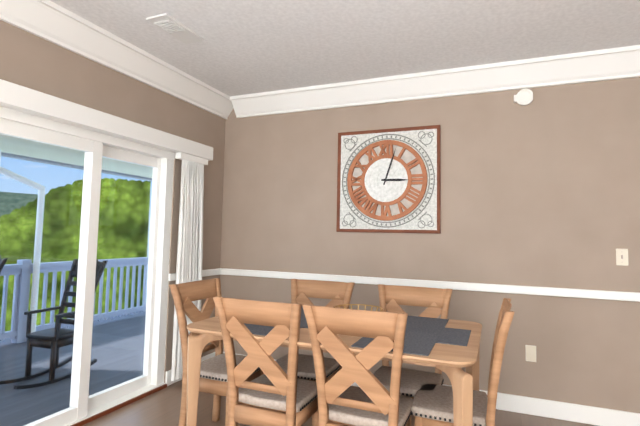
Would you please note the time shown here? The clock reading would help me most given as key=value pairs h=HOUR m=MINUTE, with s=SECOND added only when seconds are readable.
h=3 m=3
